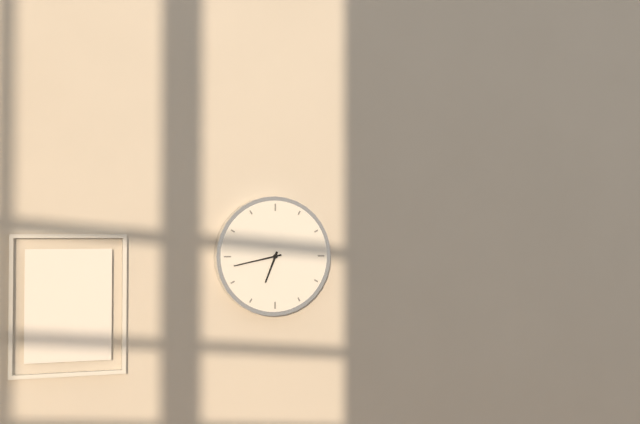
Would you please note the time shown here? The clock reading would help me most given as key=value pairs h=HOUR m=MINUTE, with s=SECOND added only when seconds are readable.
h=6 m=43
